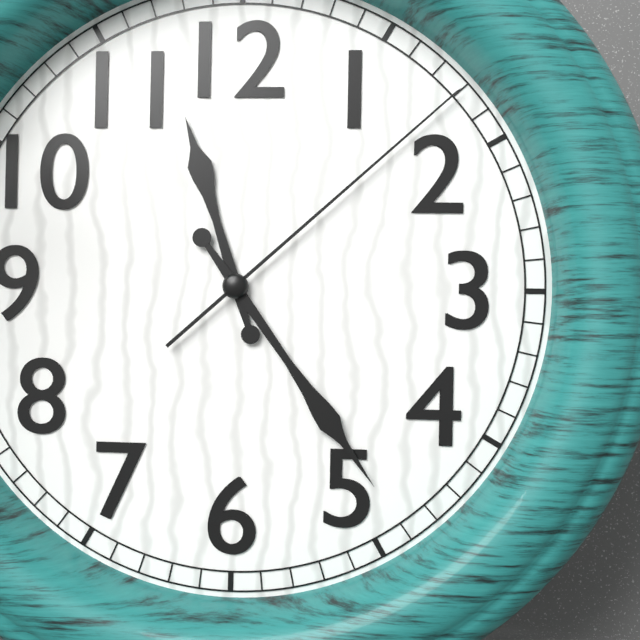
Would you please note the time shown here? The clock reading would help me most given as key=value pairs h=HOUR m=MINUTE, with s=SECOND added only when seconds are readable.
h=11 m=24 s=8
